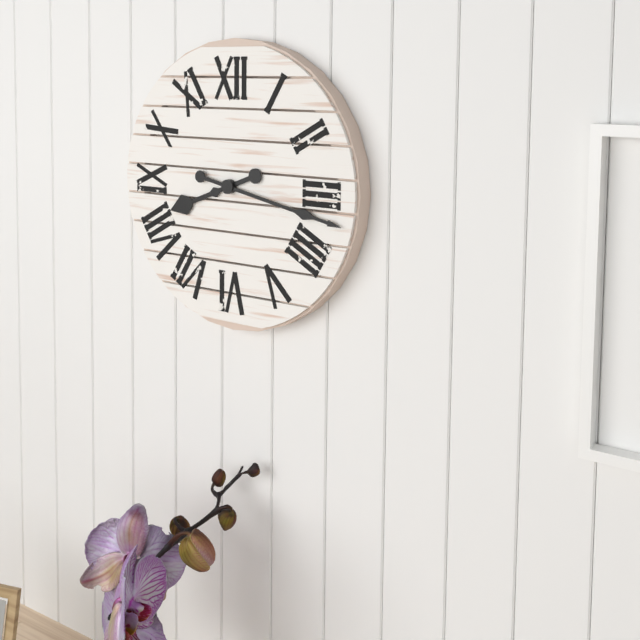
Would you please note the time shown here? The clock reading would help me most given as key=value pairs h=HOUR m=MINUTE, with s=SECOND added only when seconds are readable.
h=8 m=17
